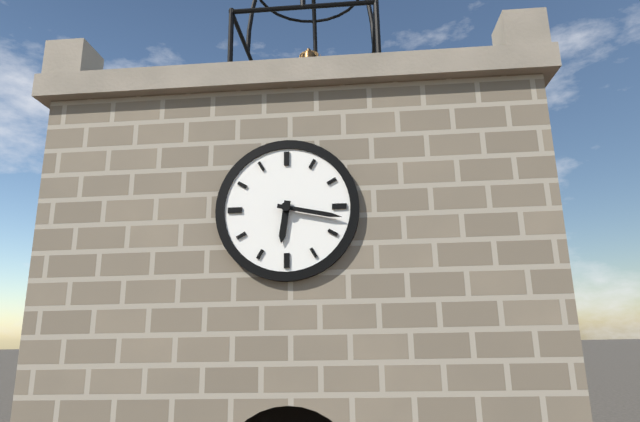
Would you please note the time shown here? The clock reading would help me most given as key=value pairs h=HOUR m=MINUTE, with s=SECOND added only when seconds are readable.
h=6 m=17
